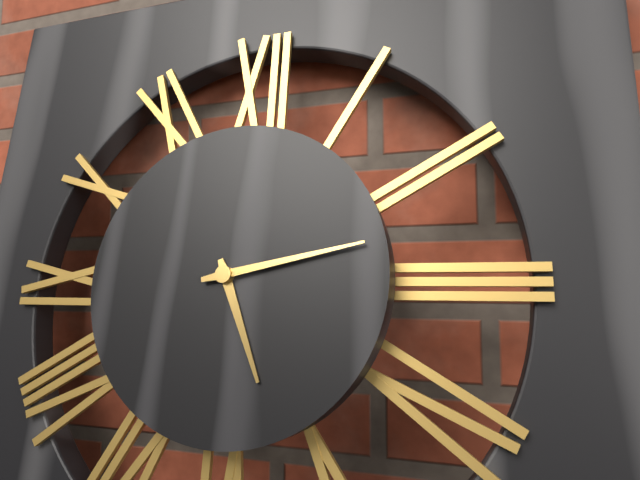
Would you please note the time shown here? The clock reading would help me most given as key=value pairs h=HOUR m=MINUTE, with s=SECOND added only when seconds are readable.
h=5 m=13
